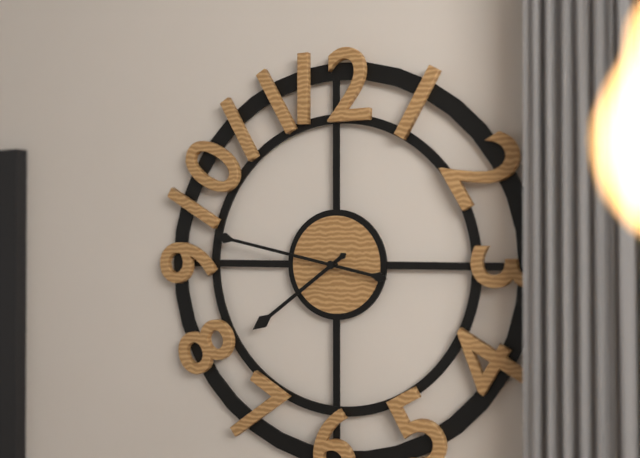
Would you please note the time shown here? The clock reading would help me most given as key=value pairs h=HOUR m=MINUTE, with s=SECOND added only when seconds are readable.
h=7 m=47
